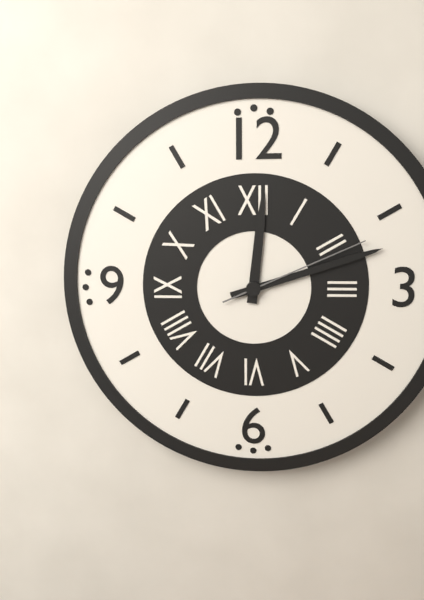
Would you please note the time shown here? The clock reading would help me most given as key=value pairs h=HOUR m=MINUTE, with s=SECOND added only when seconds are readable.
h=12 m=12 s=11
